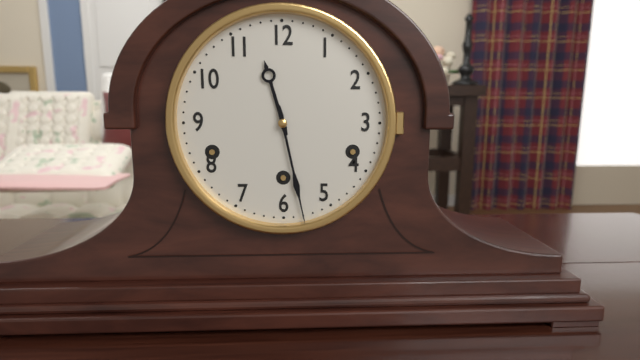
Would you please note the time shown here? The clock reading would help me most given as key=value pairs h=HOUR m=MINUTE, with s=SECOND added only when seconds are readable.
h=11 m=28
